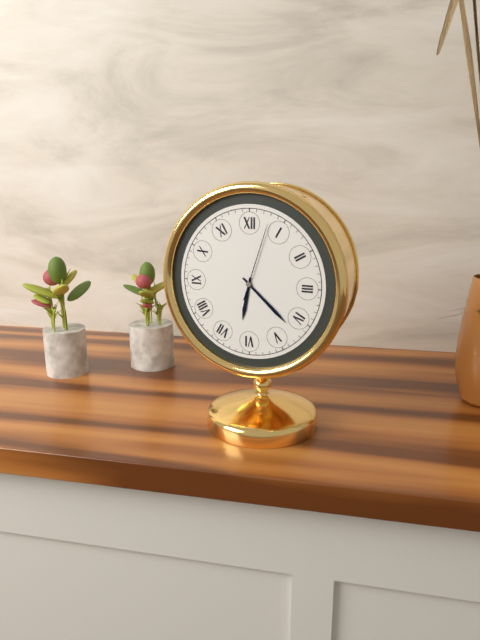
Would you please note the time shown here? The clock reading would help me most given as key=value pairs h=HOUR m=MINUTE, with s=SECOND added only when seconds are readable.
h=6 m=22 s=3
